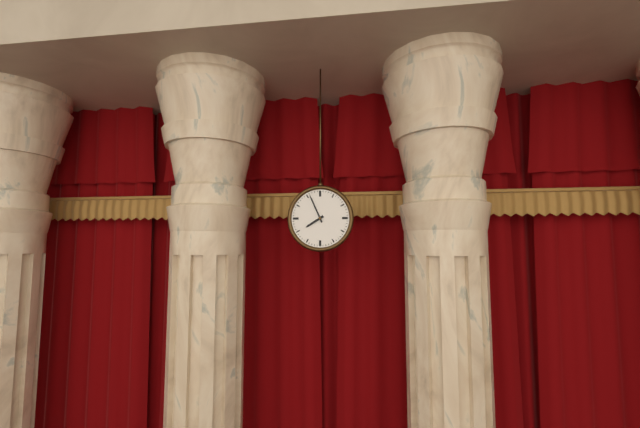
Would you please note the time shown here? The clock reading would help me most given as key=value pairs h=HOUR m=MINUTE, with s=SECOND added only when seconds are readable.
h=7 m=56
